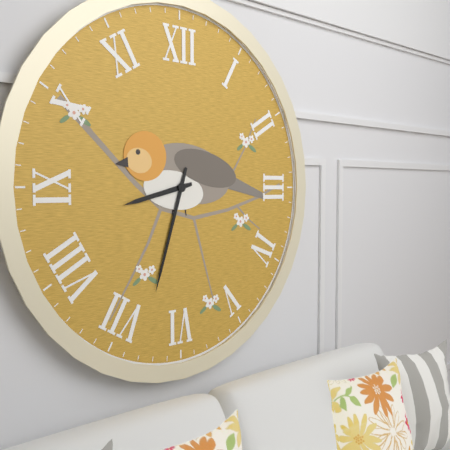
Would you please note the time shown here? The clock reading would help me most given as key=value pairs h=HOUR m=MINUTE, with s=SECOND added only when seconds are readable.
h=8 m=33
